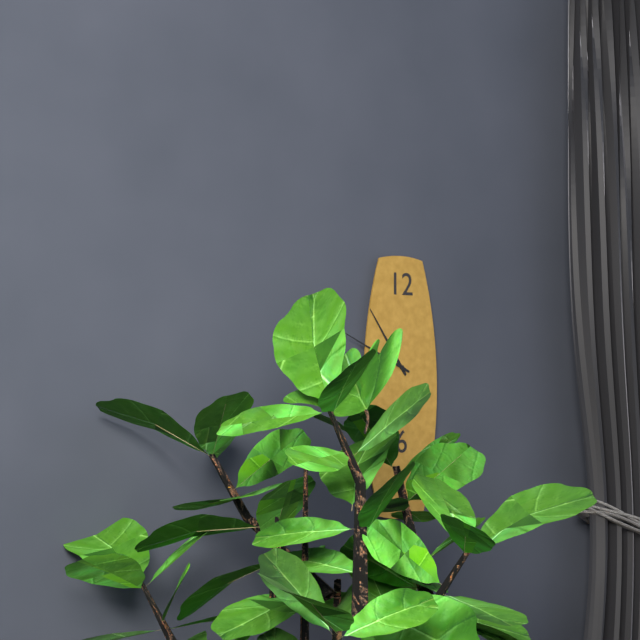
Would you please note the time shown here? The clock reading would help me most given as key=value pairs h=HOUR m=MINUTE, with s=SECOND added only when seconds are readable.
h=10 m=49
